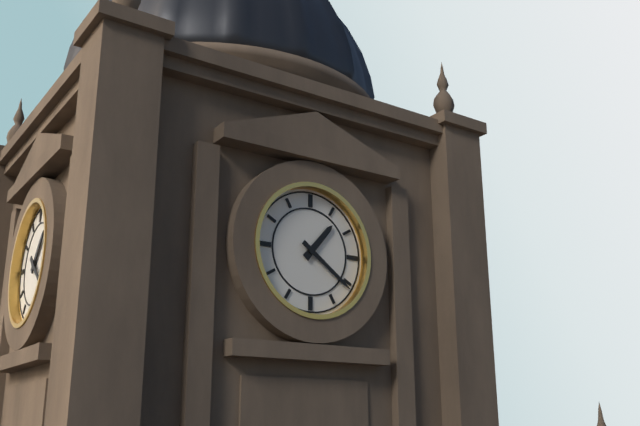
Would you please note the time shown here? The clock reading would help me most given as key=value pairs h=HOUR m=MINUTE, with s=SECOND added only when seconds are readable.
h=1 m=21
